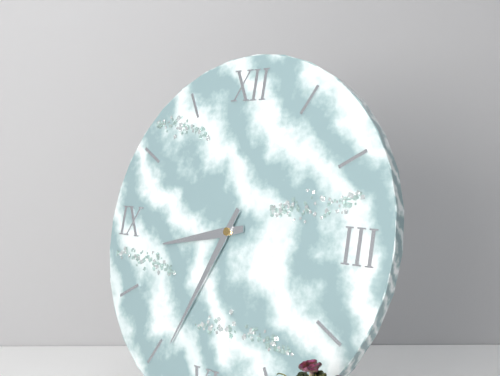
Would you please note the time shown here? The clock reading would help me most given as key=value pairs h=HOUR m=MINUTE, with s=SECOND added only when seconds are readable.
h=8 m=34
